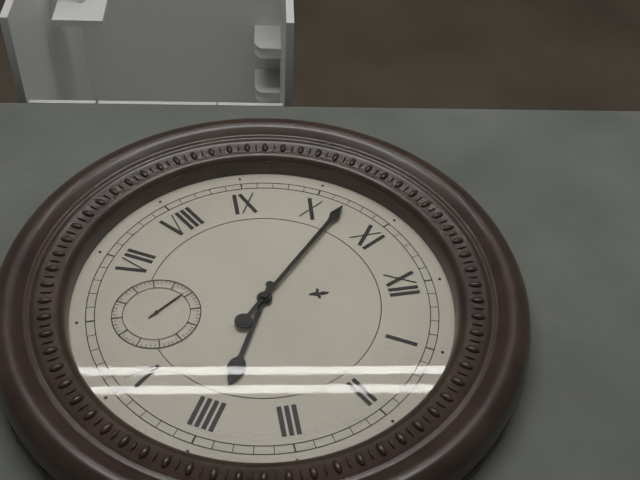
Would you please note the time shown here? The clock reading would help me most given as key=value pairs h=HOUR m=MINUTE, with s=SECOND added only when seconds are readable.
h=3 m=52
